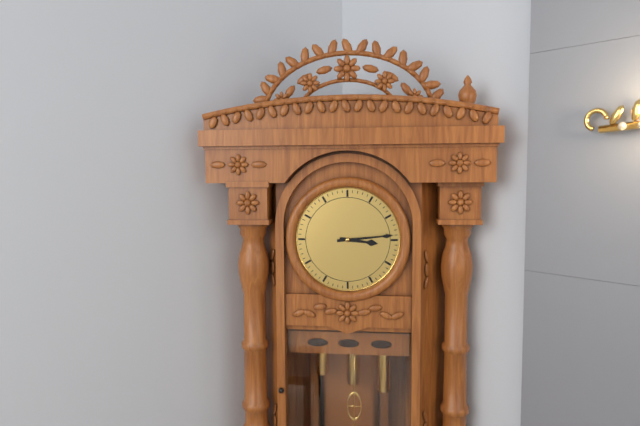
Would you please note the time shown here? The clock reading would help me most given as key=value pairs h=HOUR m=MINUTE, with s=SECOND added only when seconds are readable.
h=3 m=14
